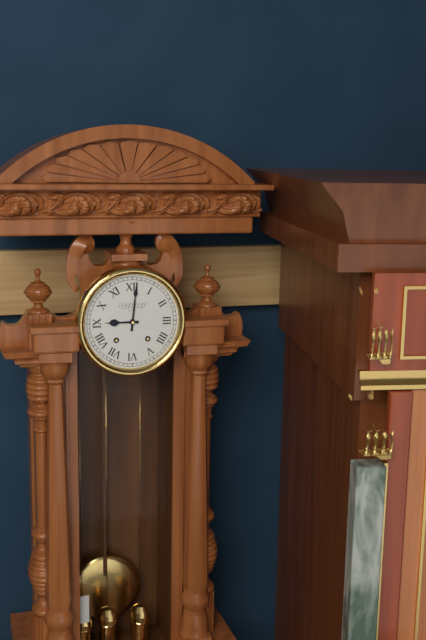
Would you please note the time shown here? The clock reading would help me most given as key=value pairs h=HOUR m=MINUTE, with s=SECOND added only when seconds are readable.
h=9 m=1
